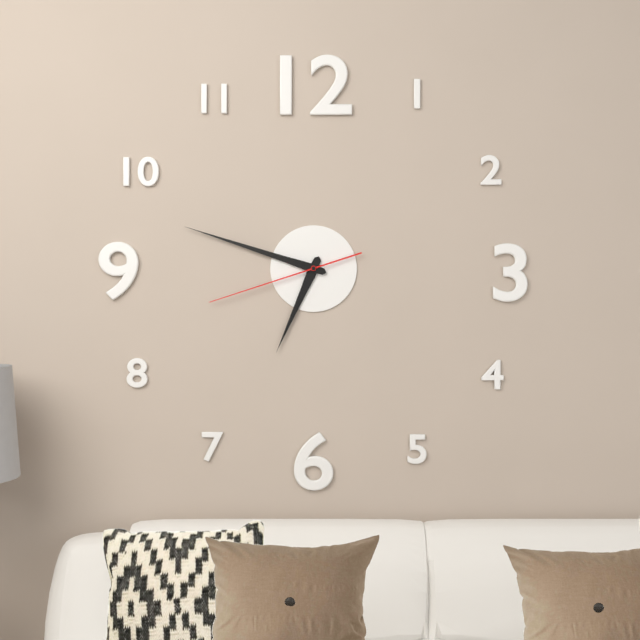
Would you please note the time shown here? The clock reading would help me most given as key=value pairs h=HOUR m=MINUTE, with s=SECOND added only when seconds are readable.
h=6 m=48 s=42
